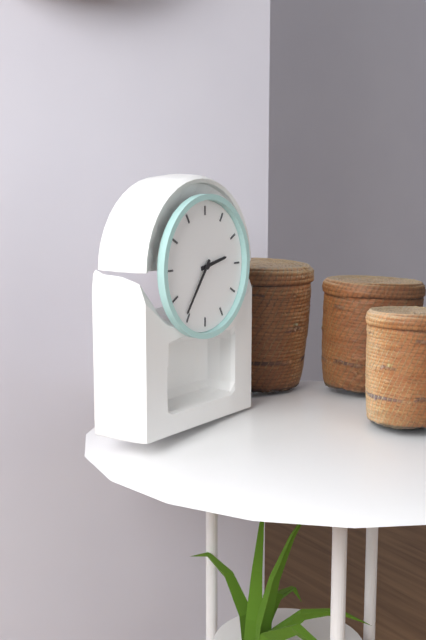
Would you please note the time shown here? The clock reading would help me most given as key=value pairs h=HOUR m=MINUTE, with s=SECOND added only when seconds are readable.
h=2 m=36
